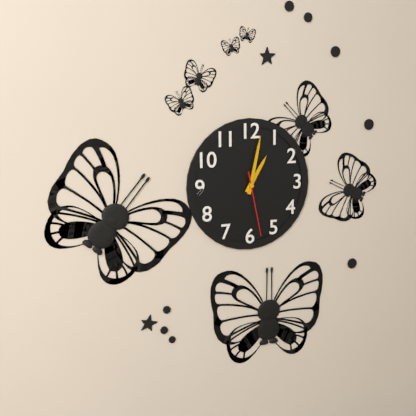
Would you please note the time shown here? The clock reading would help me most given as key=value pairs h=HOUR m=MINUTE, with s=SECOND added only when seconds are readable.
h=1 m=2 s=28
